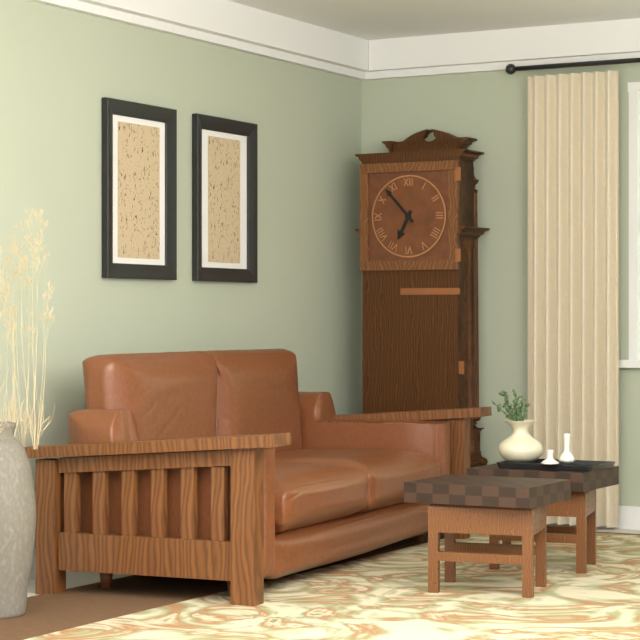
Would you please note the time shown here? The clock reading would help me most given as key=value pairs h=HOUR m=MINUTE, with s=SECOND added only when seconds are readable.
h=6 m=53
